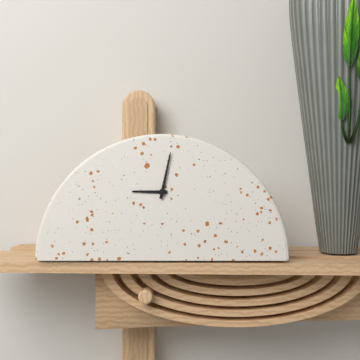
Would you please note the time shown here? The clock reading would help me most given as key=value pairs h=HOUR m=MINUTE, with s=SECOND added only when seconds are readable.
h=9 m=2
